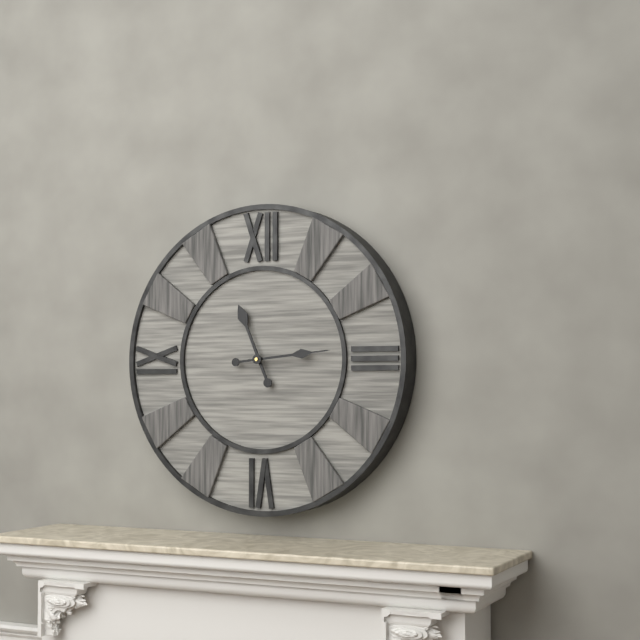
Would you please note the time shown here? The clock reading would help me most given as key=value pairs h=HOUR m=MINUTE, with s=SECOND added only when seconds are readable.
h=11 m=14
